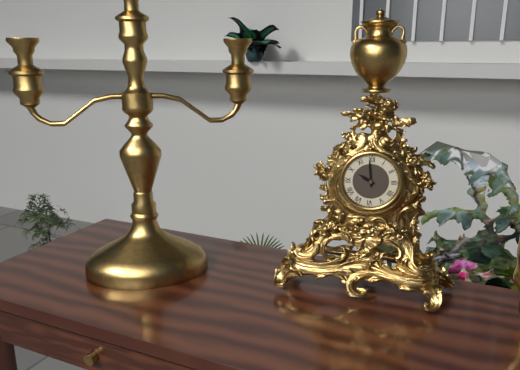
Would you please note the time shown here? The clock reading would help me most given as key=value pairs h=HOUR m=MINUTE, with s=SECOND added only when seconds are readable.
h=9 m=59
